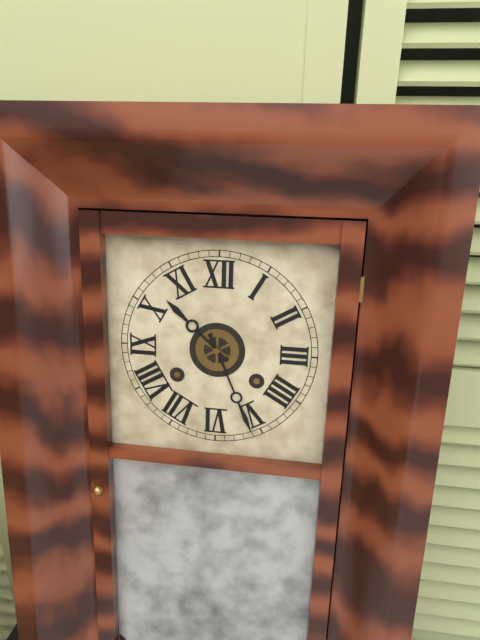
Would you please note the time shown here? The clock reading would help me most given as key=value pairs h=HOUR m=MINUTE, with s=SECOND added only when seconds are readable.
h=10 m=26
